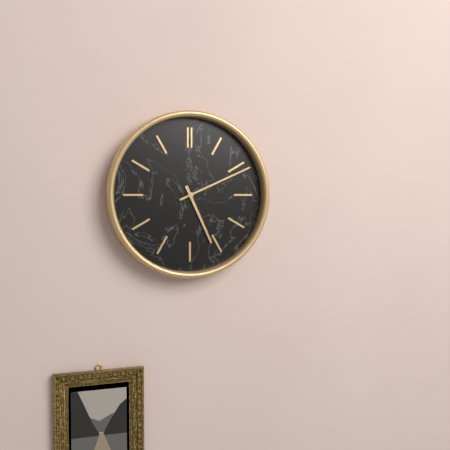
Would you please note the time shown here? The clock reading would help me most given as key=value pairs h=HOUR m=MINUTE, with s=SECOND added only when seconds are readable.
h=5 m=11
